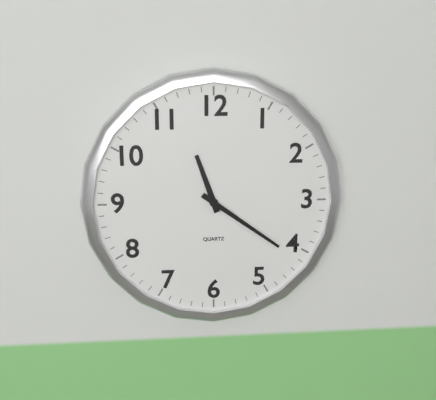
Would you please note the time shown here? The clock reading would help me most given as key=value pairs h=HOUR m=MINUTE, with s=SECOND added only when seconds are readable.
h=11 m=21
